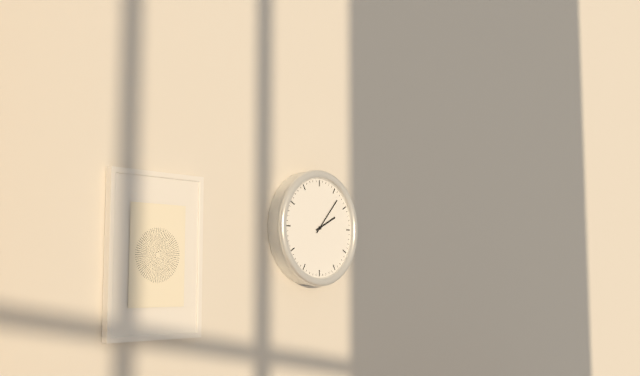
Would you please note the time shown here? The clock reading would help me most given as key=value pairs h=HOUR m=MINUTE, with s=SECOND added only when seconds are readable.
h=2 m=7
